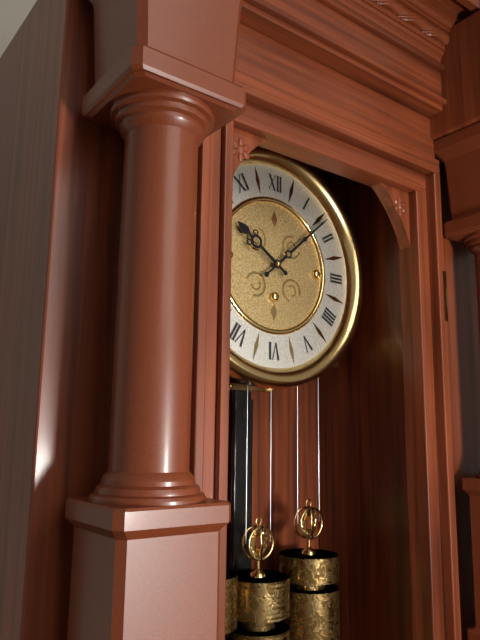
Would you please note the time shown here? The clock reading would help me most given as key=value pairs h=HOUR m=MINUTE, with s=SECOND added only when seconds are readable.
h=10 m=8
